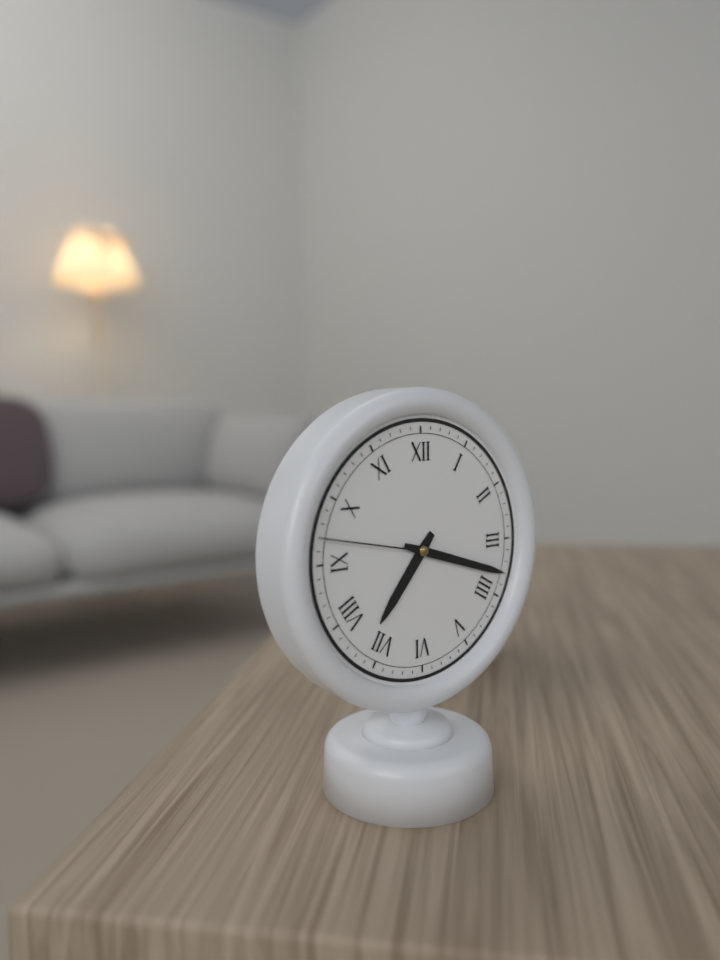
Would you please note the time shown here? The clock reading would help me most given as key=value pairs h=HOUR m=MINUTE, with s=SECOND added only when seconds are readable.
h=7 m=18 s=47
